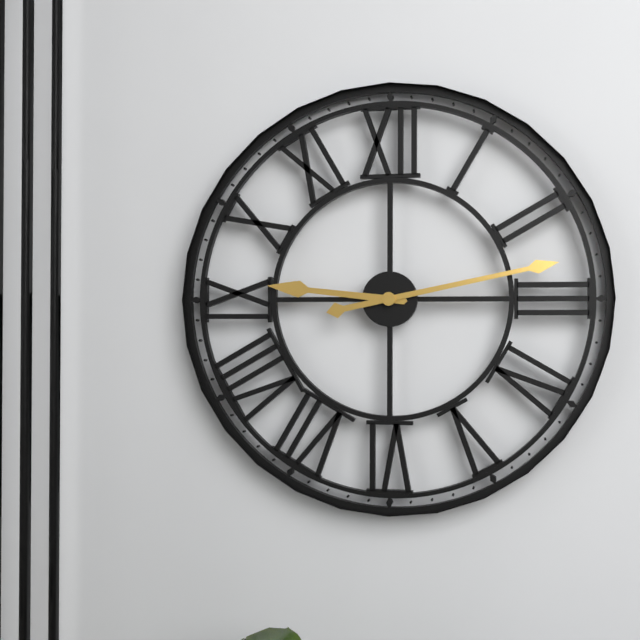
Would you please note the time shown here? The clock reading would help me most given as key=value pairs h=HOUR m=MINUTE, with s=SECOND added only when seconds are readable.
h=9 m=13
